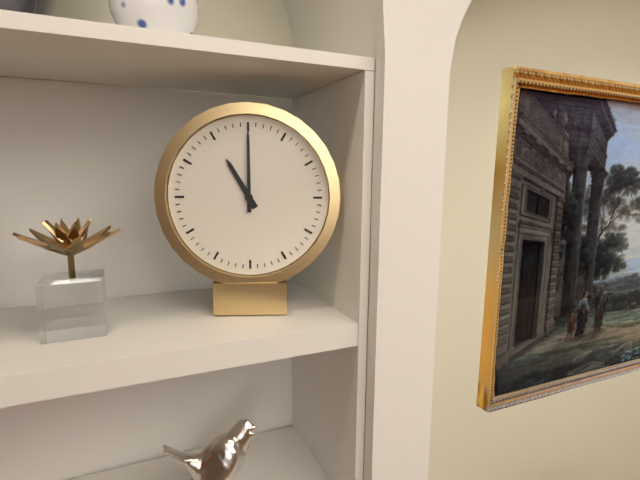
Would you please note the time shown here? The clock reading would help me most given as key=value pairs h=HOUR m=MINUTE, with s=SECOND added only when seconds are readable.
h=11 m=0
